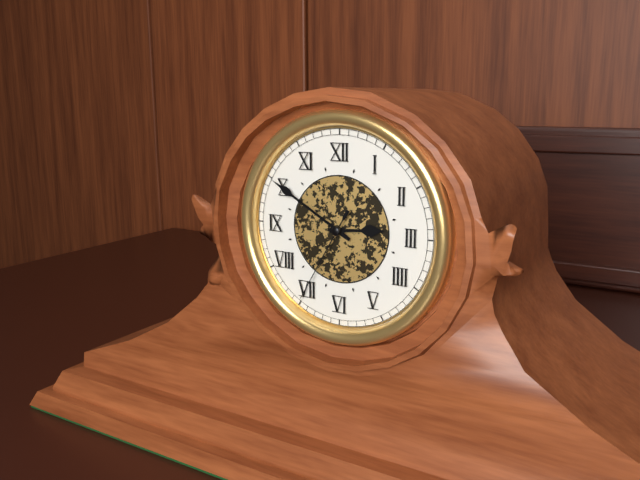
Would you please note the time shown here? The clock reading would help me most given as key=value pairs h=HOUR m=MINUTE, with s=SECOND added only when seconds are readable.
h=2 m=50 s=35
